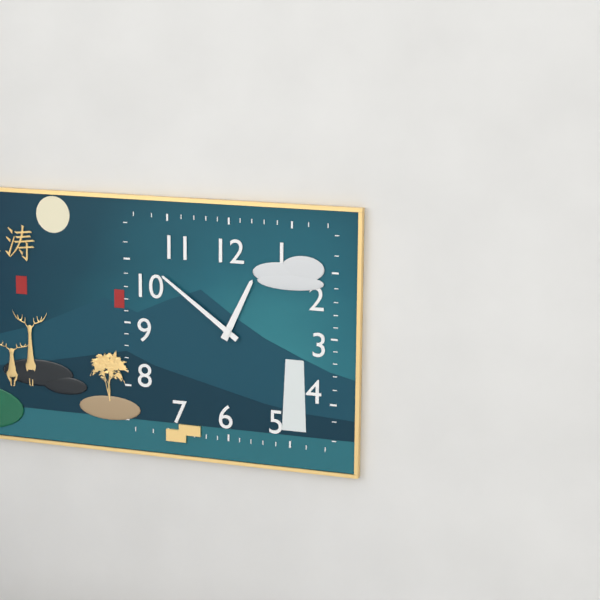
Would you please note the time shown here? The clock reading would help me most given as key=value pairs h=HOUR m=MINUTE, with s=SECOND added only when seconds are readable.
h=12 m=51
